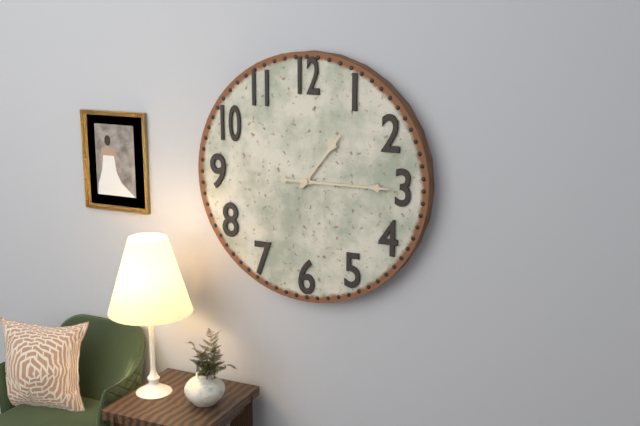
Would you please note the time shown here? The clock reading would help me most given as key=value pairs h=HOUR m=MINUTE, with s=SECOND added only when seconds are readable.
h=1 m=15
